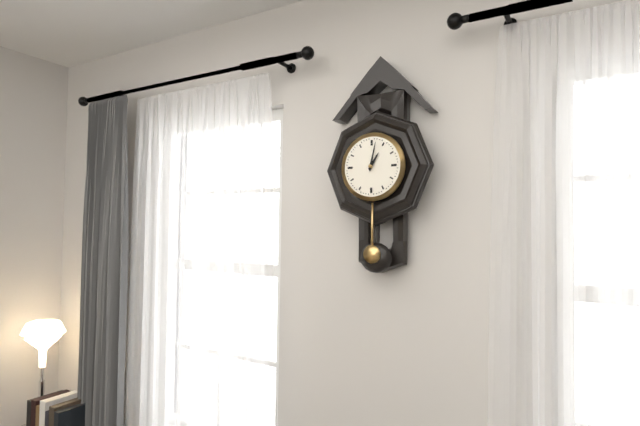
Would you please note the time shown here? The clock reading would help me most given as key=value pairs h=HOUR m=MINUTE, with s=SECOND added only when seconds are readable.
h=1 m=2
